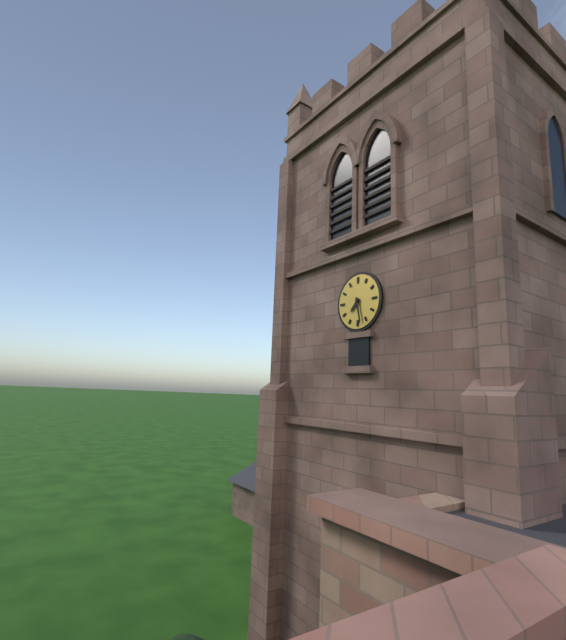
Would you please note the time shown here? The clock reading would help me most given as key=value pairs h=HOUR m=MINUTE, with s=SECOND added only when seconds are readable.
h=7 m=28
